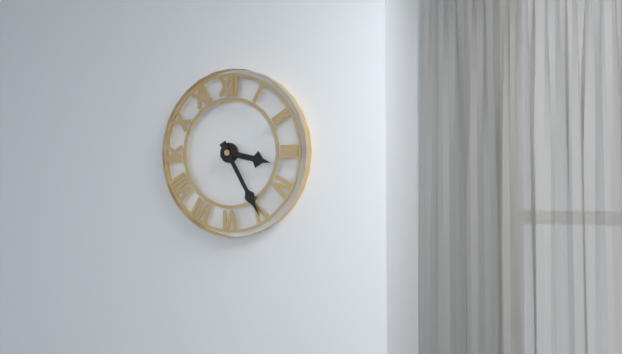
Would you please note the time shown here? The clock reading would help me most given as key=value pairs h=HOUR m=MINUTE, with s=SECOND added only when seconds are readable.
h=3 m=25
